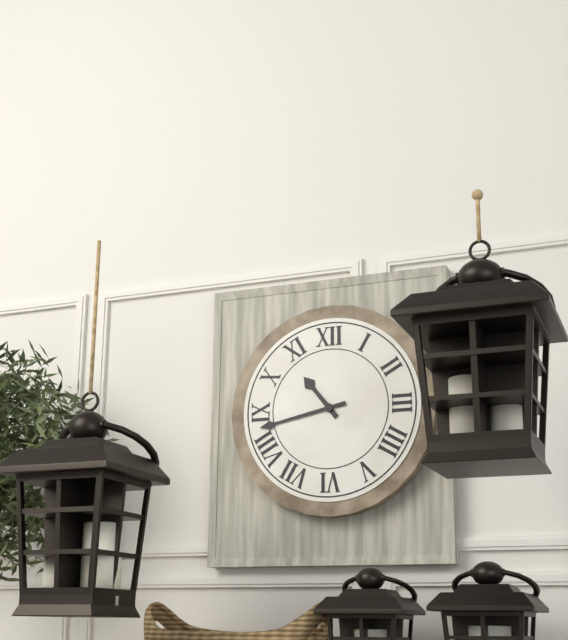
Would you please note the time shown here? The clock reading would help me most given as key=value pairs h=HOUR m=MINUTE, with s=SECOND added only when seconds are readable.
h=10 m=43
